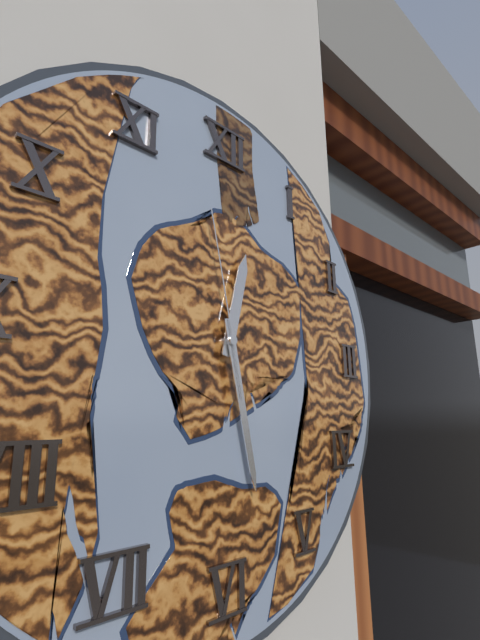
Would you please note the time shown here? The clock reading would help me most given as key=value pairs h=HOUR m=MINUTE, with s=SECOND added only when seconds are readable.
h=12 m=28 s=58
